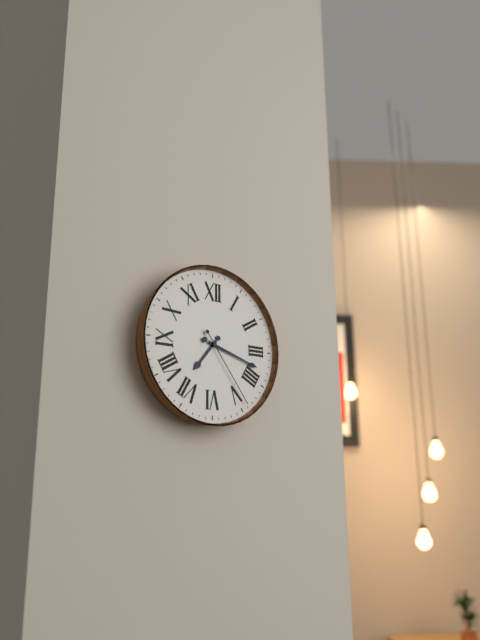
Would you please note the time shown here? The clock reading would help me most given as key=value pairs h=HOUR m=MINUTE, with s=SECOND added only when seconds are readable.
h=7 m=18 s=24
